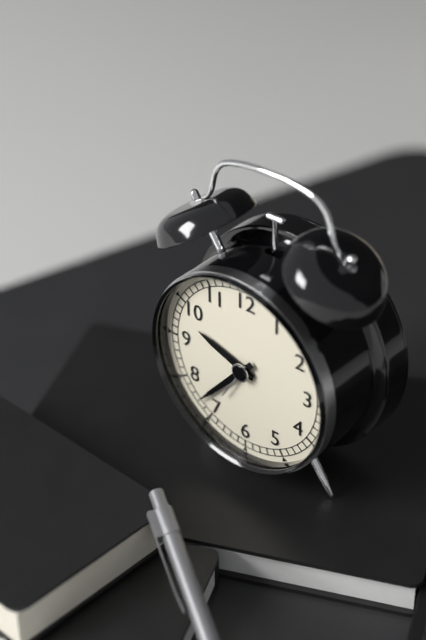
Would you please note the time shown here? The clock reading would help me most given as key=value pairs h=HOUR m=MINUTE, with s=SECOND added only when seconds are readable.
h=9 m=37
